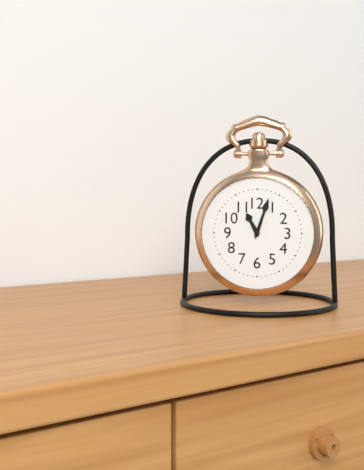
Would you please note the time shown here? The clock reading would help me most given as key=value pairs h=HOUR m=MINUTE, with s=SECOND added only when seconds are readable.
h=11 m=3
